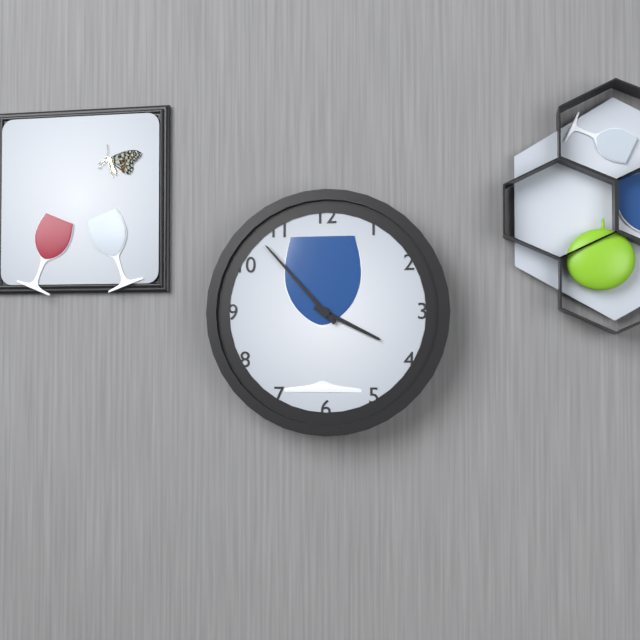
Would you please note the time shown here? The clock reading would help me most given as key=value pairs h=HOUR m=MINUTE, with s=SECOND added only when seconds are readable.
h=3 m=53
